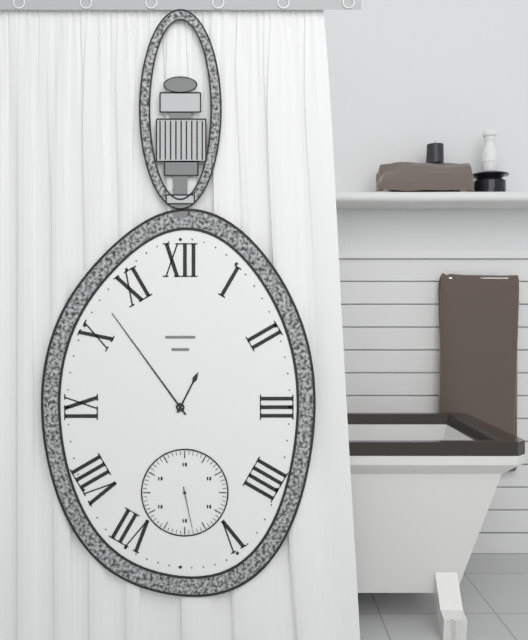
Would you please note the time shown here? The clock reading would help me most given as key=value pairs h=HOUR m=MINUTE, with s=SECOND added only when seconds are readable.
h=12 m=54
